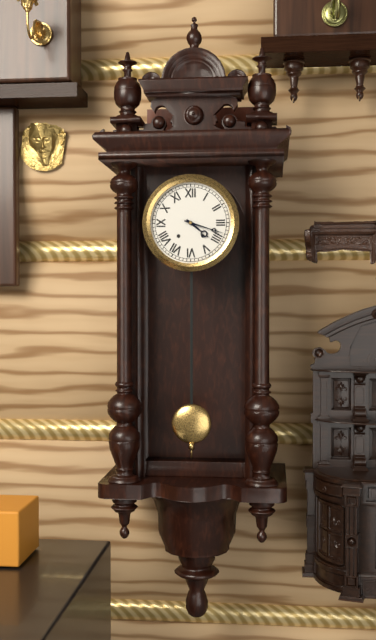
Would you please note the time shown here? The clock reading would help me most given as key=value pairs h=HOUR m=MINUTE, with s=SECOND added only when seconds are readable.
h=4 m=18
